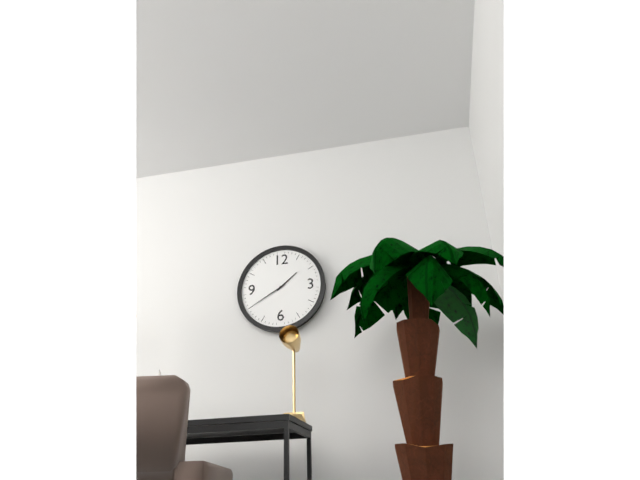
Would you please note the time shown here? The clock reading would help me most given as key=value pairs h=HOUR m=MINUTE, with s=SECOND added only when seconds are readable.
h=1 m=40
